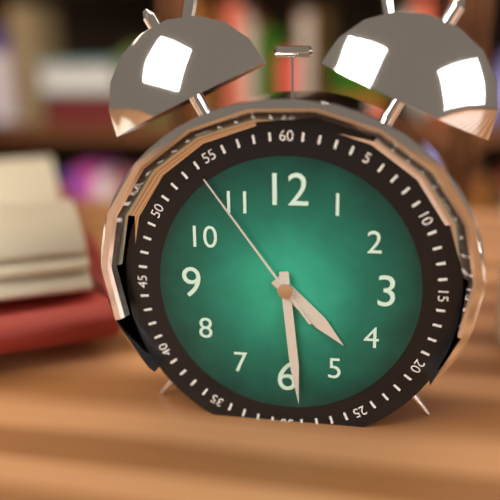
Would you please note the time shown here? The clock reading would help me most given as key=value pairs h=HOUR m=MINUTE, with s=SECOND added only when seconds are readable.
h=4 m=29 s=54
